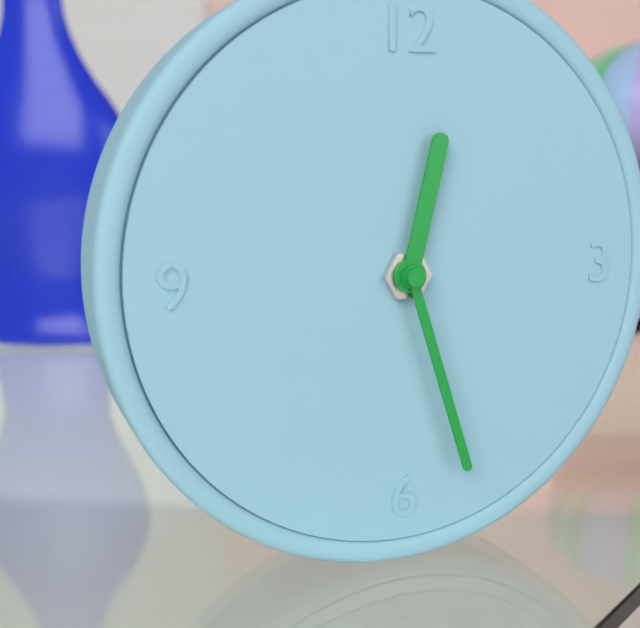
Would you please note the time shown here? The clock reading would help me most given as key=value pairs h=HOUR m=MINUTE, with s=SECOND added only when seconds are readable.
h=12 m=27
